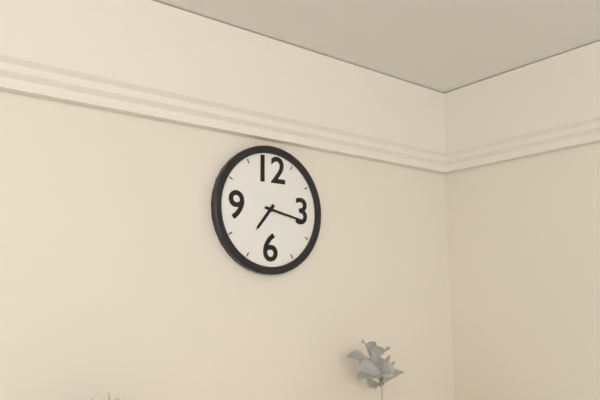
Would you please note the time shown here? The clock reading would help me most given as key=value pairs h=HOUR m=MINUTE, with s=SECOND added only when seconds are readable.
h=7 m=17
